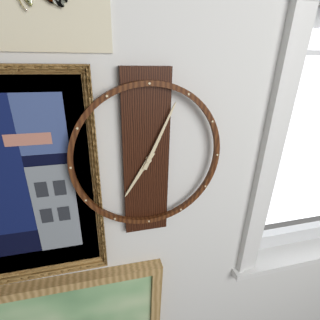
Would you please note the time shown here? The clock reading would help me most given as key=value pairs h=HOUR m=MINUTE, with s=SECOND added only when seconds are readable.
h=7 m=4
